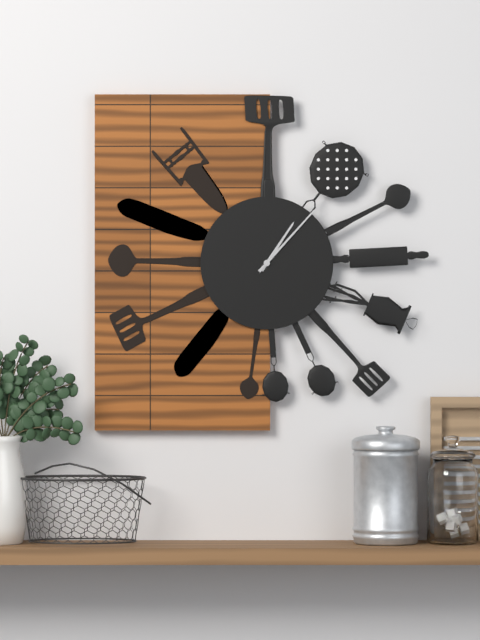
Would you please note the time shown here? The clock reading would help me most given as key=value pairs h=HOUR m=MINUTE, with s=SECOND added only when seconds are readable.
h=1 m=7
